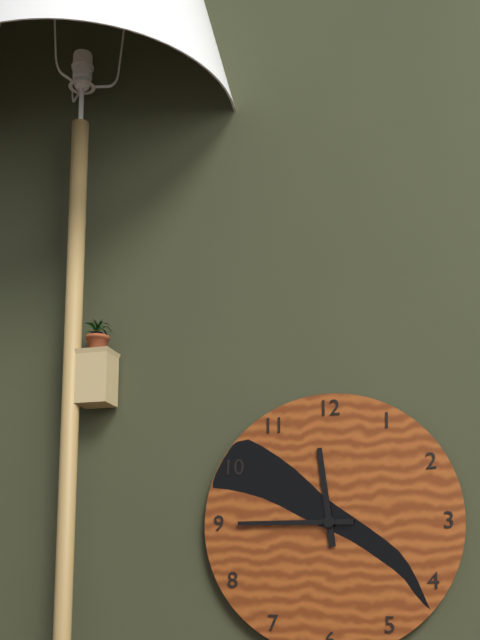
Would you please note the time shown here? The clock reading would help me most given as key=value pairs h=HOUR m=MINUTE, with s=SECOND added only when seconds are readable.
h=11 m=45
